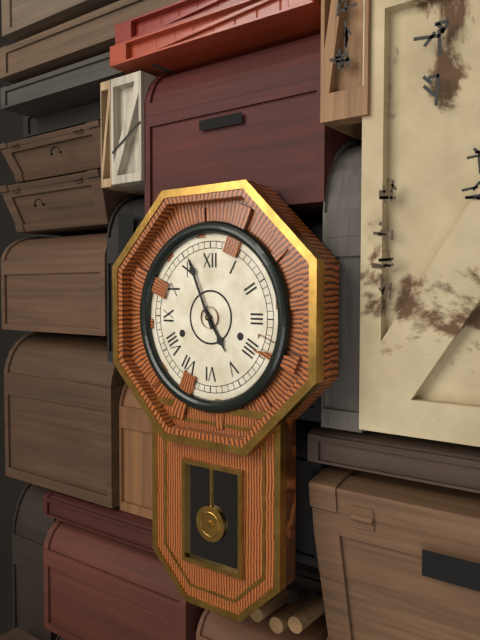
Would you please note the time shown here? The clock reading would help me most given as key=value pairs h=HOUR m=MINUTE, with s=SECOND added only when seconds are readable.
h=4 m=56
